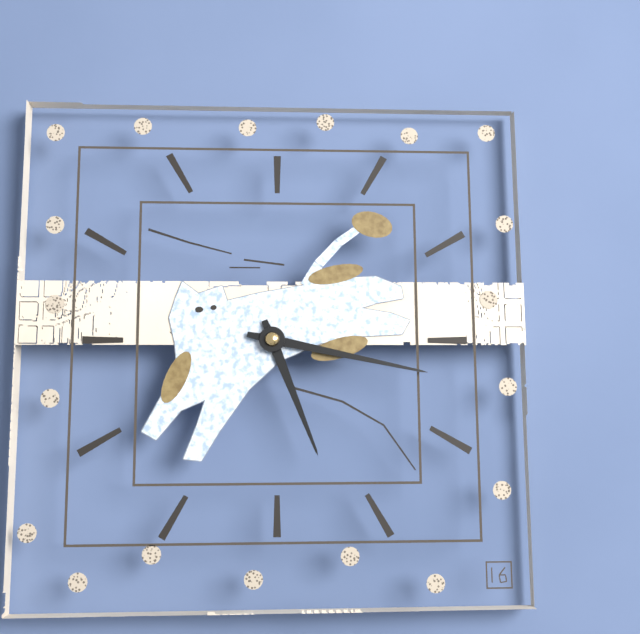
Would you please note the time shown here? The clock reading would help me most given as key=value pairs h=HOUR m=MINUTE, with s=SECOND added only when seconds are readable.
h=5 m=17
